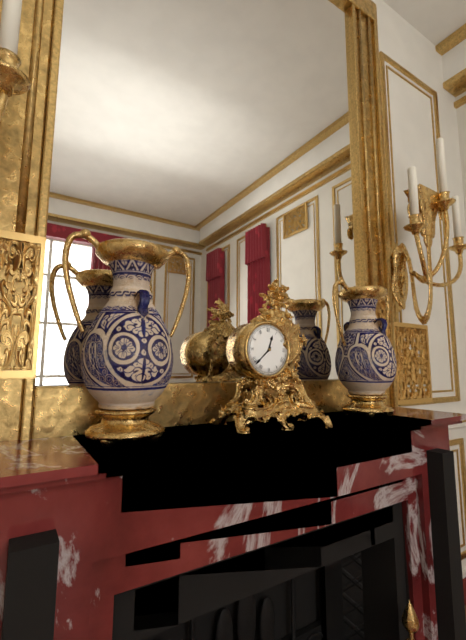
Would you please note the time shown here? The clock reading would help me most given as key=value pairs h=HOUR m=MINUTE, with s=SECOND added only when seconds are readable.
h=12 m=38
